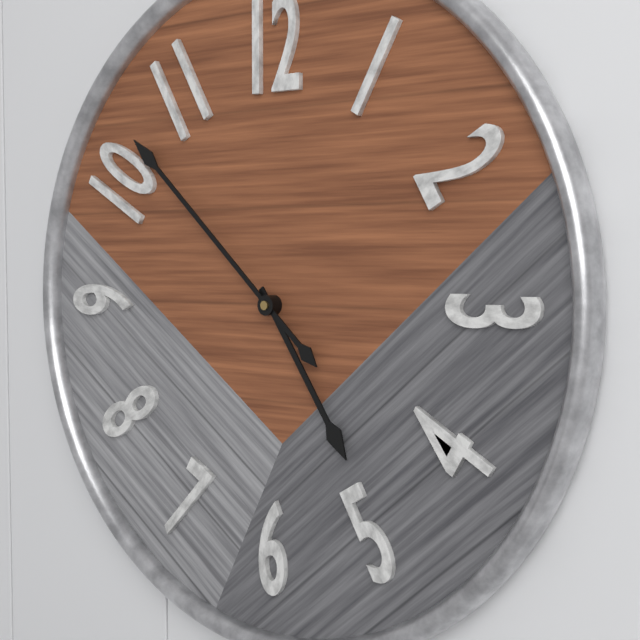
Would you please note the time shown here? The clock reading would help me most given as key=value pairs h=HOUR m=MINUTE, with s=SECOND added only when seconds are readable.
h=4 m=52
